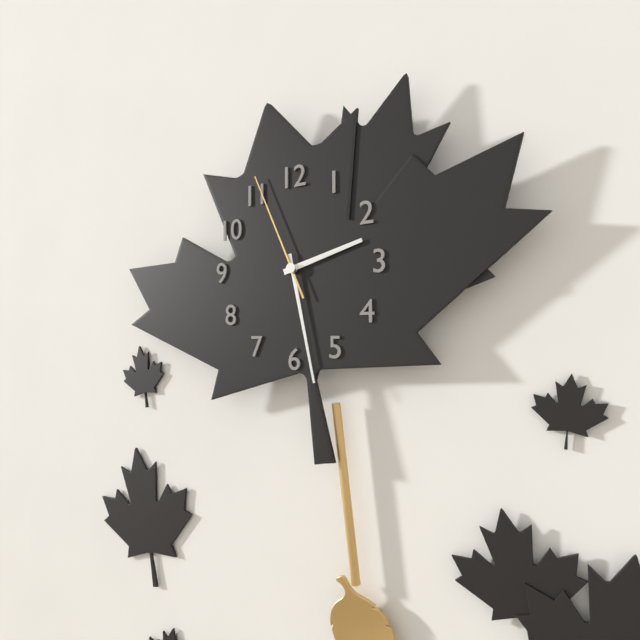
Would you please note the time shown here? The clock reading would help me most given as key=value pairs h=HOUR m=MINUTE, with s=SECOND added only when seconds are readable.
h=2 m=28 s=56
